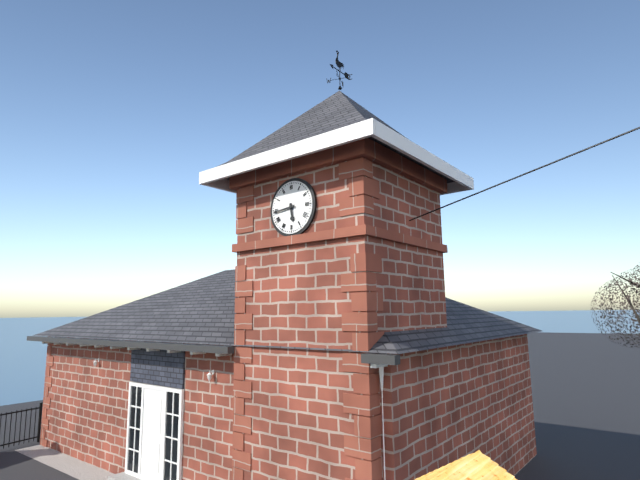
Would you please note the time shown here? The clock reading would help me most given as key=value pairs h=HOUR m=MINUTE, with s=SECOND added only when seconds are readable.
h=5 m=44
